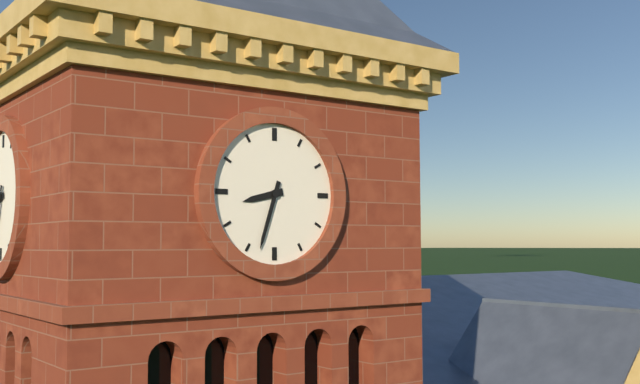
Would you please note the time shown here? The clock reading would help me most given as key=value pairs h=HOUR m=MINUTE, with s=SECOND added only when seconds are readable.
h=8 m=33
